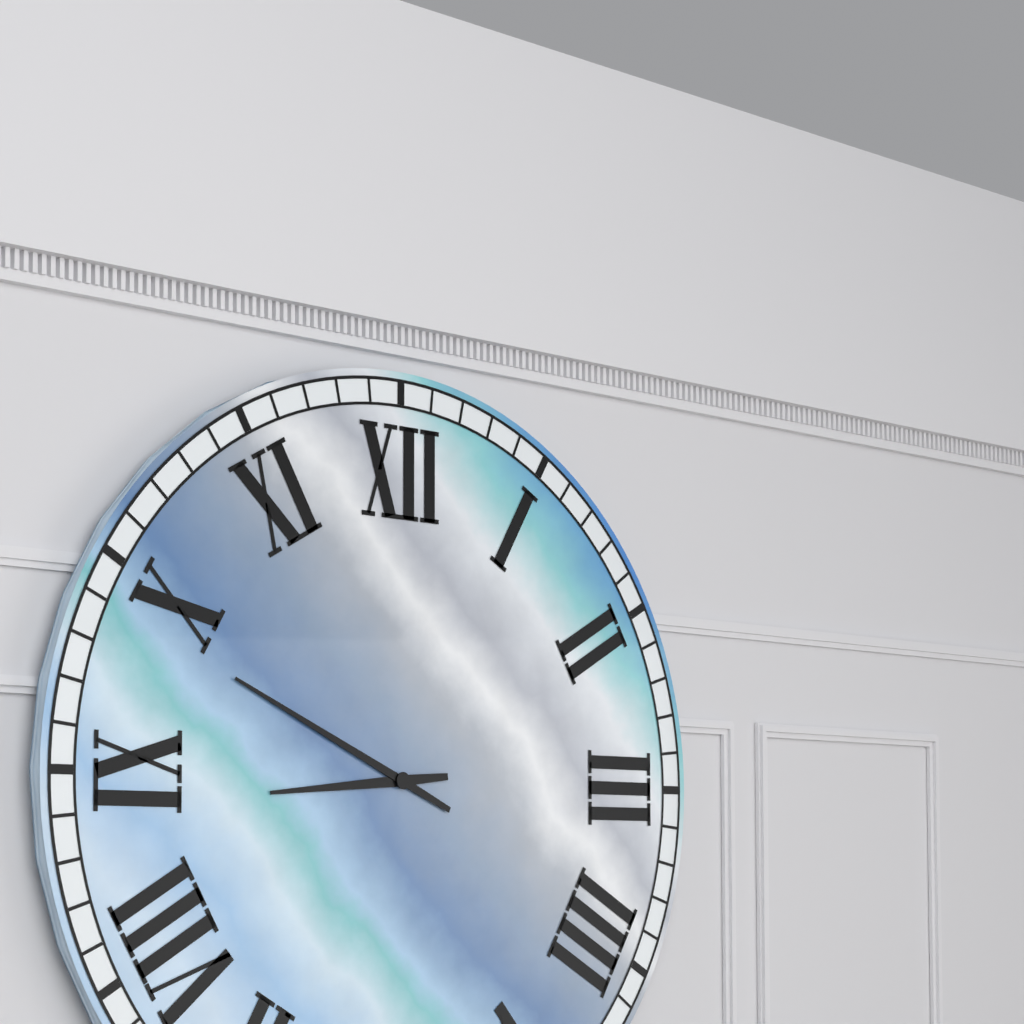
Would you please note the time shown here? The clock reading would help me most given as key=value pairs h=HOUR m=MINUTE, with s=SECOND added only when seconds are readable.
h=8 m=49
